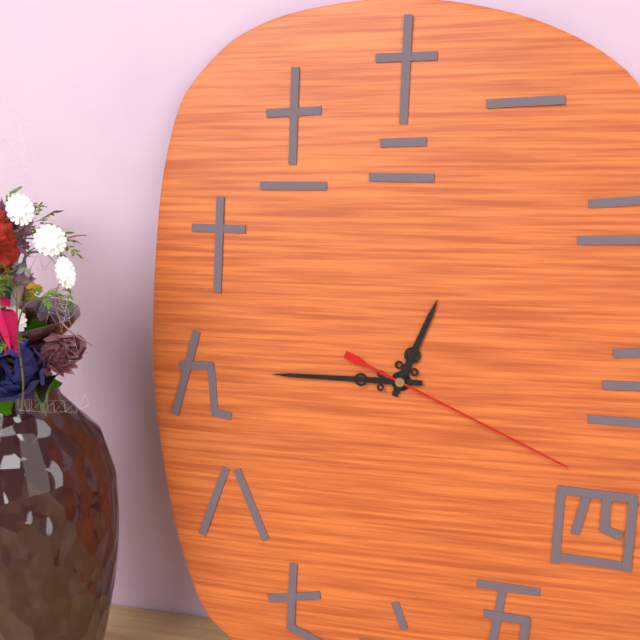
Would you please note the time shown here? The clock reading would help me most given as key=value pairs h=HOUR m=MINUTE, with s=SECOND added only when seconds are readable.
h=12 m=45 s=19
